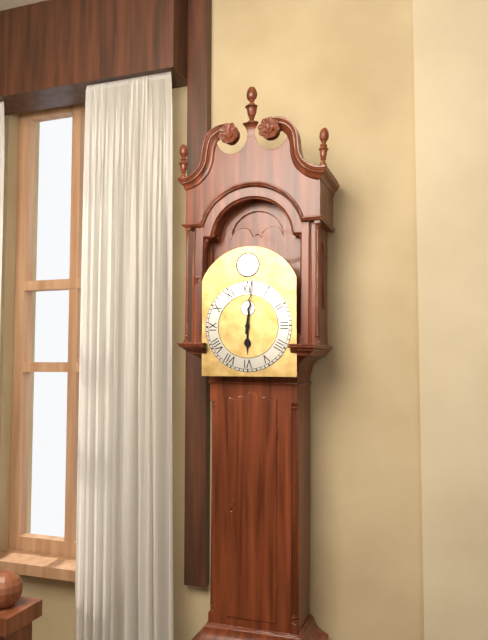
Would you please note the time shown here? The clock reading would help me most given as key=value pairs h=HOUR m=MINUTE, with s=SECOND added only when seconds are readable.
h=6 m=1
